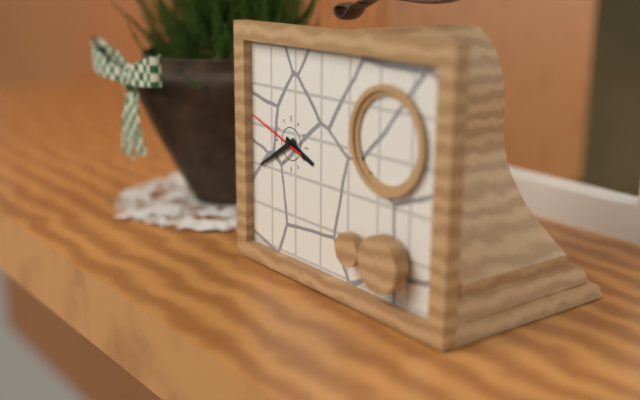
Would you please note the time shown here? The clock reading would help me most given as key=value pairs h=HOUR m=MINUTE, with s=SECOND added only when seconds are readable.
h=3 m=40 s=48
